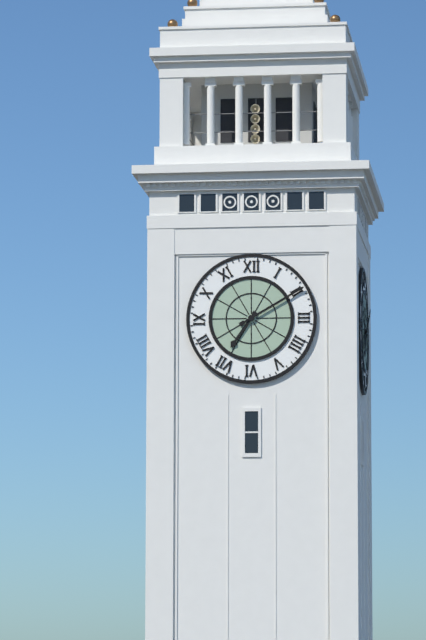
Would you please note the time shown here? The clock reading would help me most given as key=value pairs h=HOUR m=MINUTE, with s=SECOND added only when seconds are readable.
h=7 m=10
